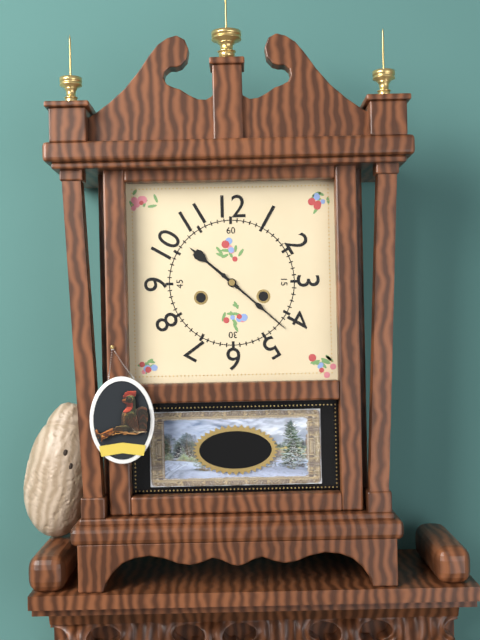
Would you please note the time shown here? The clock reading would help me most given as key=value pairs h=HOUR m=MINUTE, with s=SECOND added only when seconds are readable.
h=10 m=22
